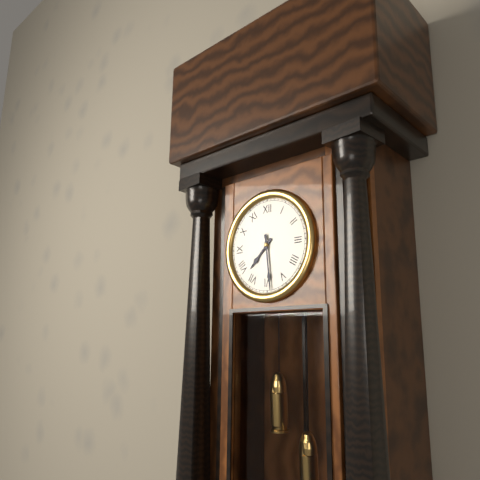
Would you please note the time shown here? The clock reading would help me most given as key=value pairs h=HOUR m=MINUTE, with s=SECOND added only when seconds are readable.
h=7 m=29
